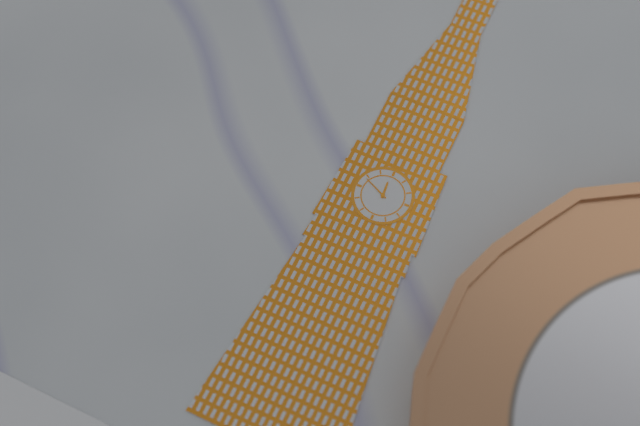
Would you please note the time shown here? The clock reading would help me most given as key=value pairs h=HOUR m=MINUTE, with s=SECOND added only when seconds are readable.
h=11 m=49
